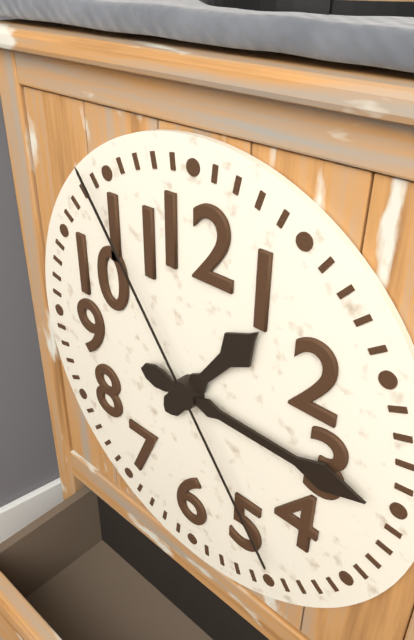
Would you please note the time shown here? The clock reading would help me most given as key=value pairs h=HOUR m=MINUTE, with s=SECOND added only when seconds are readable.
h=1 m=15 s=54
